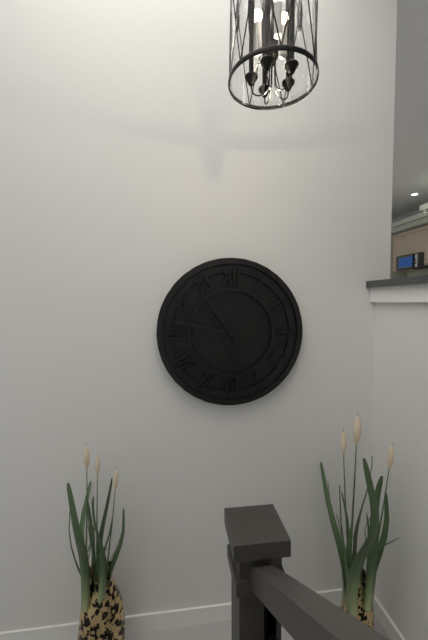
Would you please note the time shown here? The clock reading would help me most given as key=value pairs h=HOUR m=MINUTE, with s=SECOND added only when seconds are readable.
h=10 m=47 s=27
